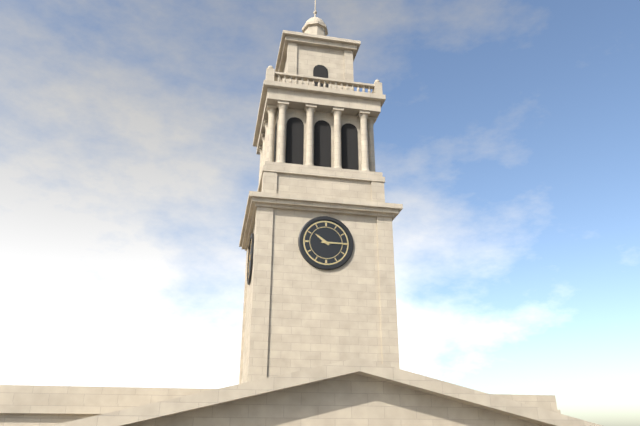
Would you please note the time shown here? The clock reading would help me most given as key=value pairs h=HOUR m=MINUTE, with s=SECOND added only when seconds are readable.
h=10 m=15
